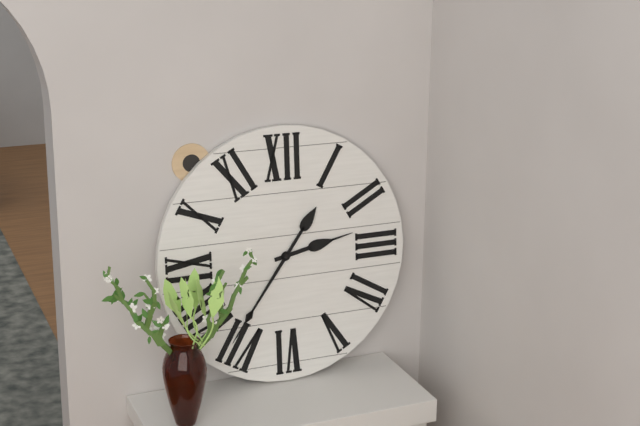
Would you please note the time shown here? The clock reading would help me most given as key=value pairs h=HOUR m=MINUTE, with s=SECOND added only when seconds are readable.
h=2 m=36
